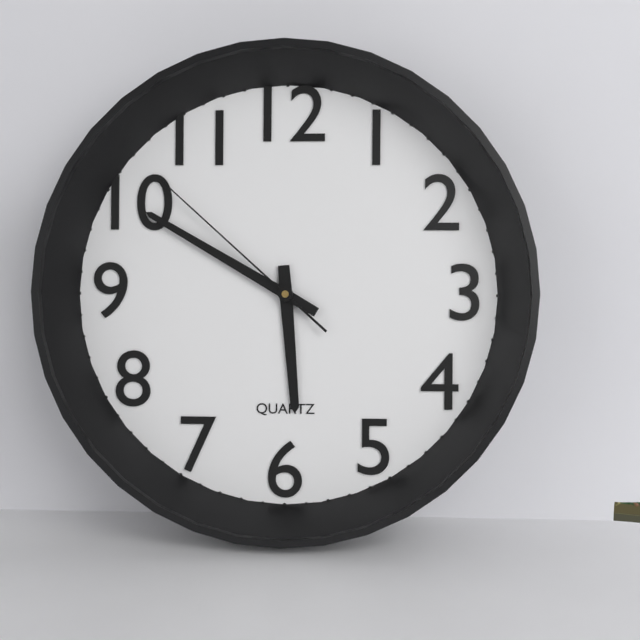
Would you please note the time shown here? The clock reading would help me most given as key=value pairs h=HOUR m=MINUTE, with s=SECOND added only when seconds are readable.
h=5 m=50 s=52
